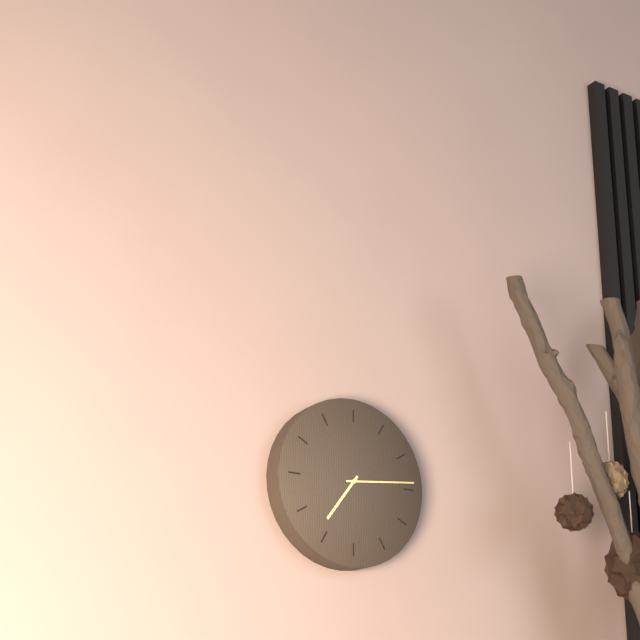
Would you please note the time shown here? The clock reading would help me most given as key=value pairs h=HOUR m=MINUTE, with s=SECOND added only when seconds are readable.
h=7 m=14
